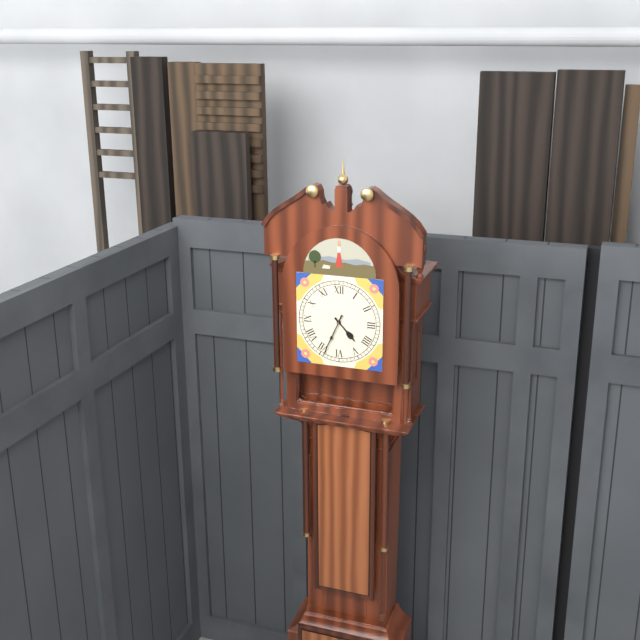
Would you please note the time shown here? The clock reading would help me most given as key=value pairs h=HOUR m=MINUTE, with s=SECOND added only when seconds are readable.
h=4 m=34
